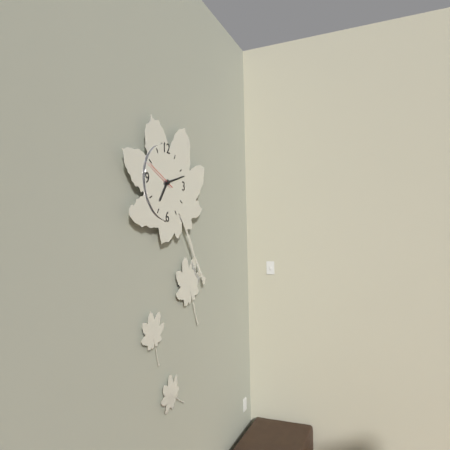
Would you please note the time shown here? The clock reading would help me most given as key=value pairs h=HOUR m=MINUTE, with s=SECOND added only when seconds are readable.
h=7 m=12
